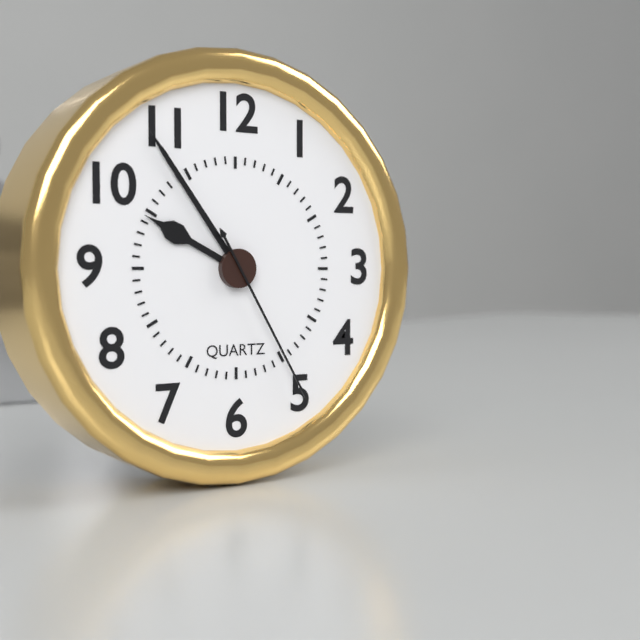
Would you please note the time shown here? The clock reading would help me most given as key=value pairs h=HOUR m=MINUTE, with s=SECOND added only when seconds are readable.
h=9 m=54 s=25
